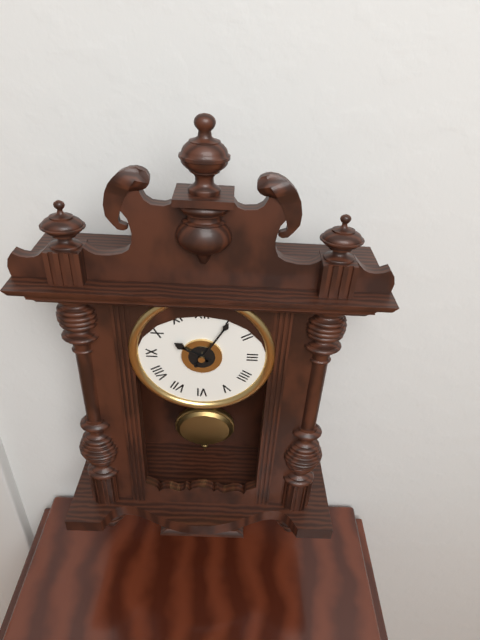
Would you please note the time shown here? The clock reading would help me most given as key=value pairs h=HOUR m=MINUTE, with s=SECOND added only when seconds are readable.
h=10 m=5
